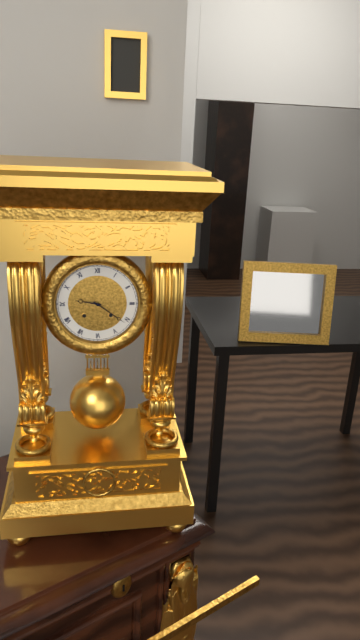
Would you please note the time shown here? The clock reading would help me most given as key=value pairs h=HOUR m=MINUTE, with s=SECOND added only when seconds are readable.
h=9 m=21
